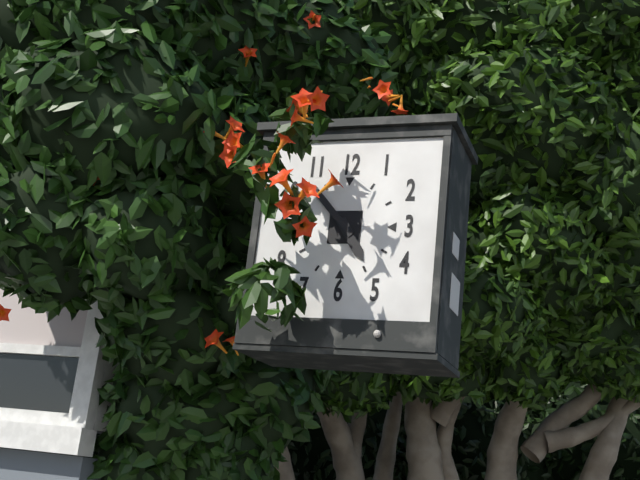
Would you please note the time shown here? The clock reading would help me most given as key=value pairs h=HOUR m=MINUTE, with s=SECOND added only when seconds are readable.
h=4 m=53
